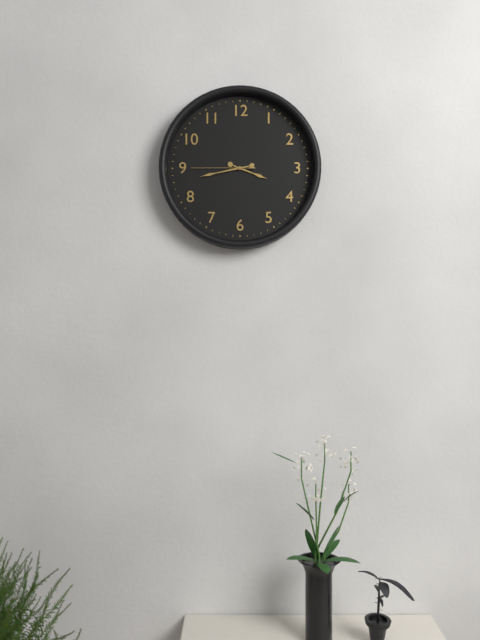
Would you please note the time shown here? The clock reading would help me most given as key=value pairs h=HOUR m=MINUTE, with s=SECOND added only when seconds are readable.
h=3 m=43 s=45
